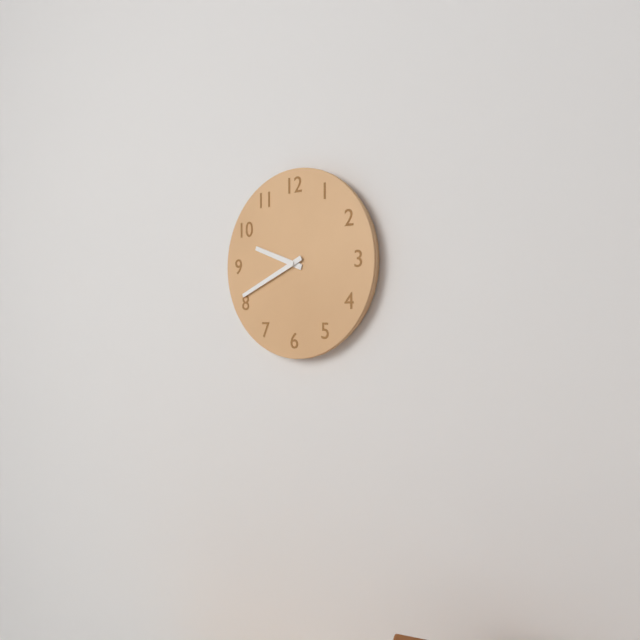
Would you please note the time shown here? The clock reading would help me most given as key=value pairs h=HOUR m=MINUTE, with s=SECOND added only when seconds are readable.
h=9 m=41
